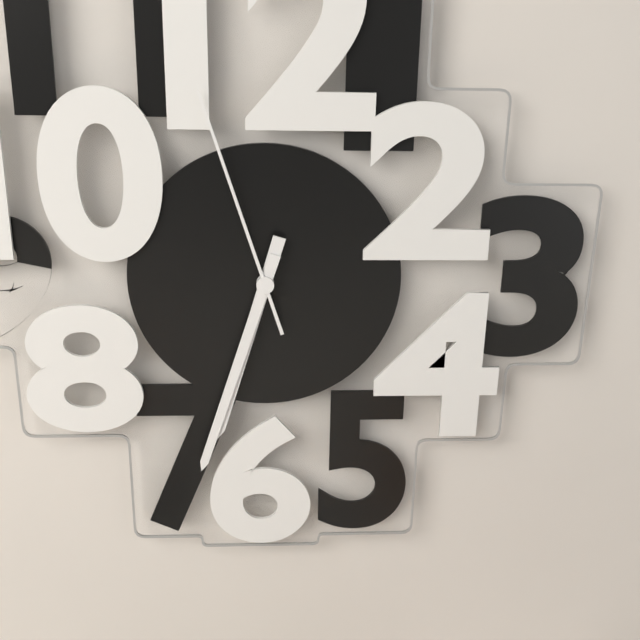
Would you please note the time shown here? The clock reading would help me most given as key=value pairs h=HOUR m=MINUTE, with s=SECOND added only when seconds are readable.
h=6 m=33 s=57
